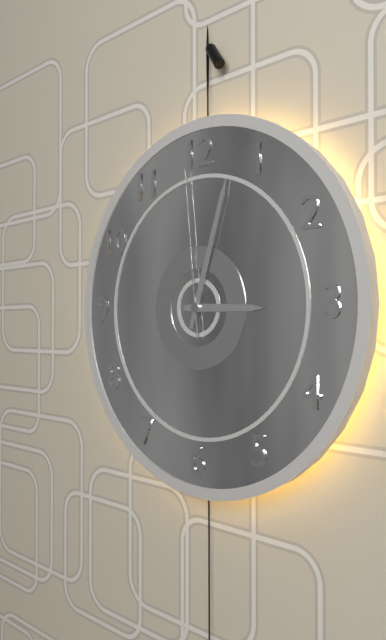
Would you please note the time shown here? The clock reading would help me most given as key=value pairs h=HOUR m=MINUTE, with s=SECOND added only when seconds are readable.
h=3 m=3 s=59
